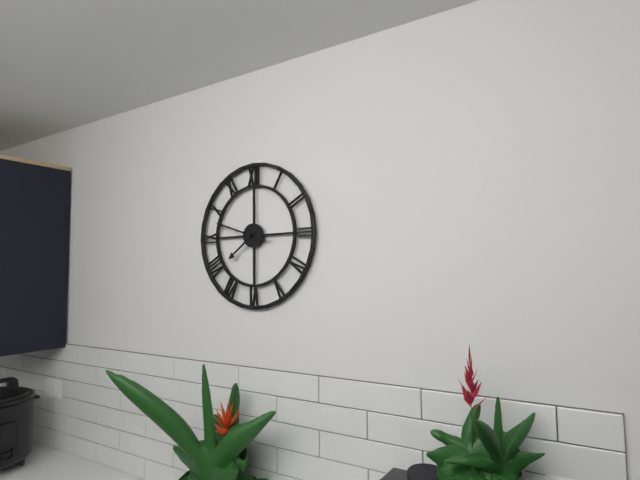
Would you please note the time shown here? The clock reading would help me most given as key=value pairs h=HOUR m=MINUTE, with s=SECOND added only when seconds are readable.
h=7 m=48
